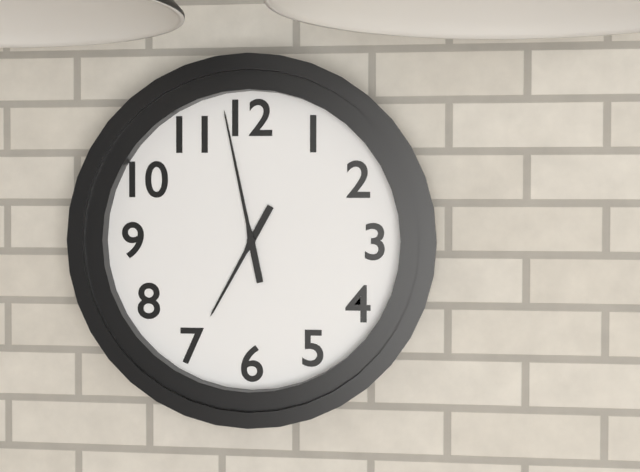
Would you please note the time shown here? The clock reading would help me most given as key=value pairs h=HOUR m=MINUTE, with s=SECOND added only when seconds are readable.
h=6 m=58
